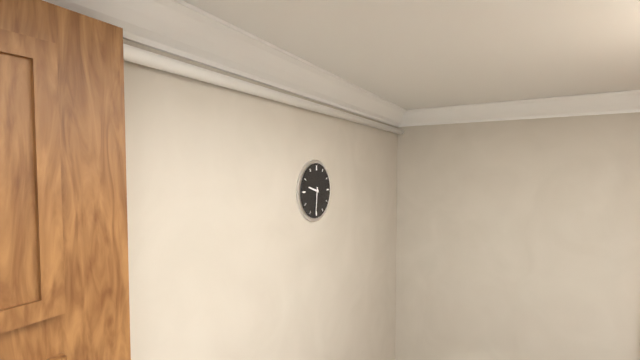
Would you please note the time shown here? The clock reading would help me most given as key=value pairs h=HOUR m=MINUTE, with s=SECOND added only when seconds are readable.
h=9 m=31
